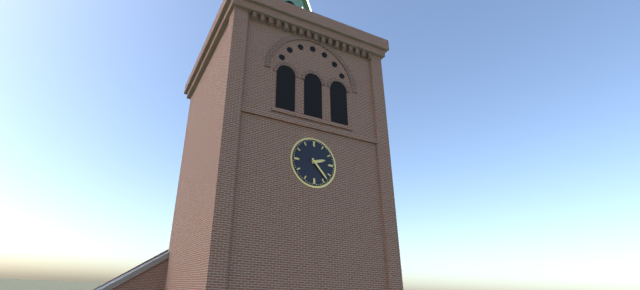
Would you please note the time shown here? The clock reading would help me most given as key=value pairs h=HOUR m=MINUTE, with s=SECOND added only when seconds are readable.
h=2 m=23
